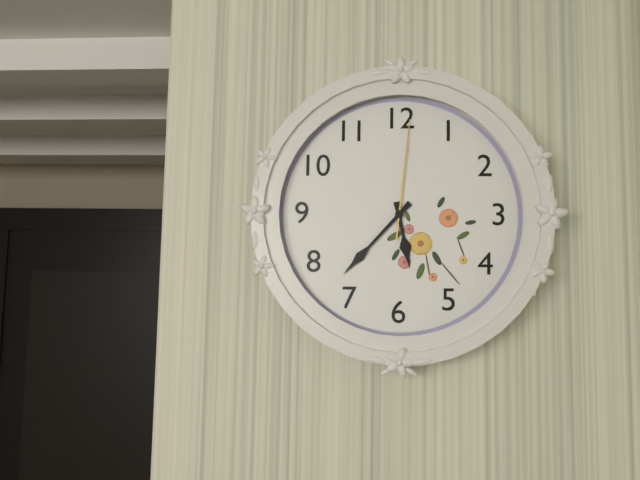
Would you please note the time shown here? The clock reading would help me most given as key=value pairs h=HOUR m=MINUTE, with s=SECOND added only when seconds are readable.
h=5 m=37 s=1
